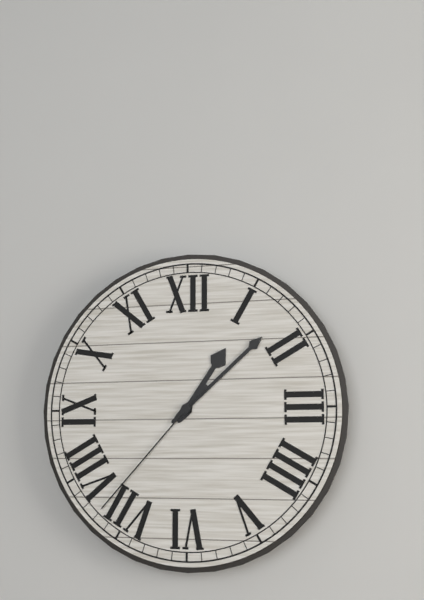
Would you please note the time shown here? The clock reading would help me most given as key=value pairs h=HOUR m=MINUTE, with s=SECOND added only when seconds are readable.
h=1 m=8 s=37
